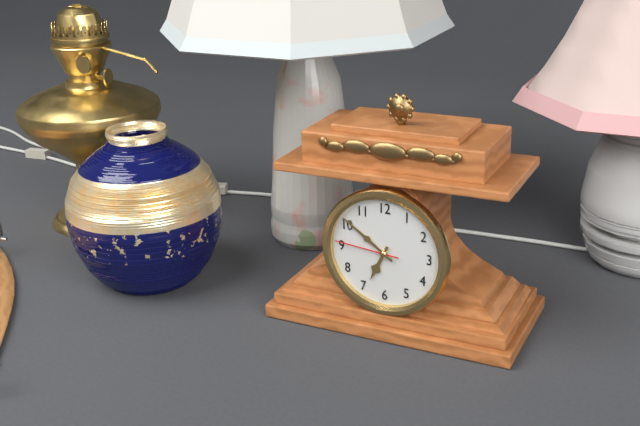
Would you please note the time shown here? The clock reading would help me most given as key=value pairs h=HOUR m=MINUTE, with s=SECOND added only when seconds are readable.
h=6 m=51 s=46
